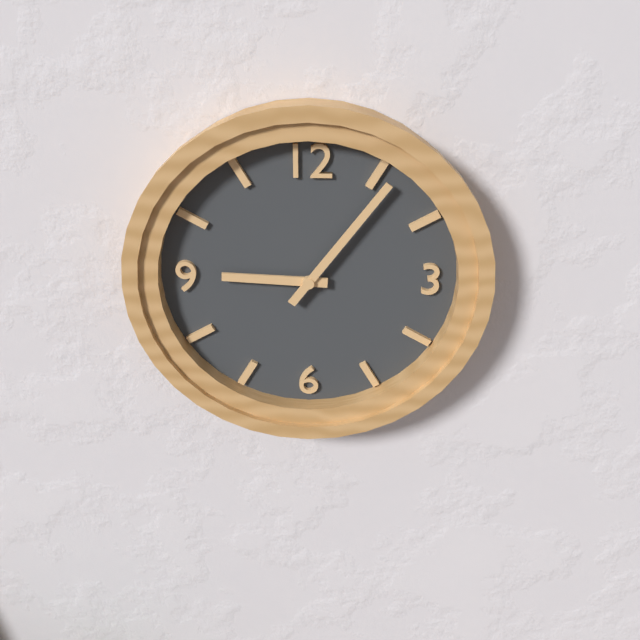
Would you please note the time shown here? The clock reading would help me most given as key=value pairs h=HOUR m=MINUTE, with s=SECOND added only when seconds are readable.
h=9 m=6
